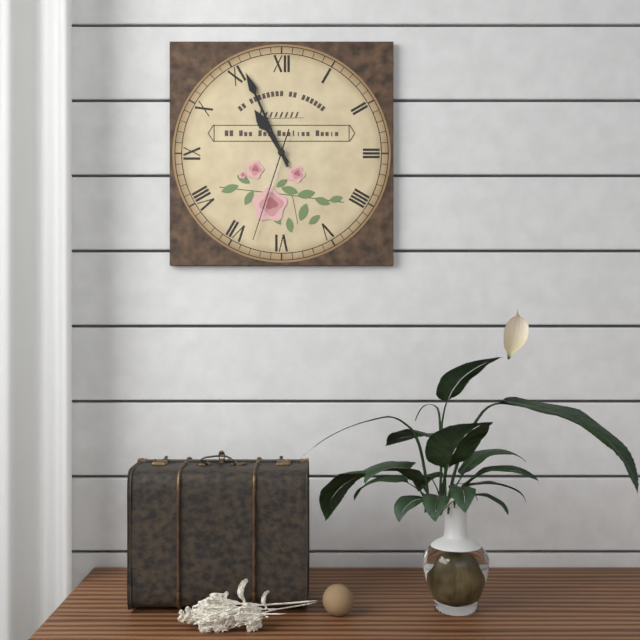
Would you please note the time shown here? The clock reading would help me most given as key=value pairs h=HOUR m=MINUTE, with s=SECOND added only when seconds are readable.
h=10 m=56 s=33
